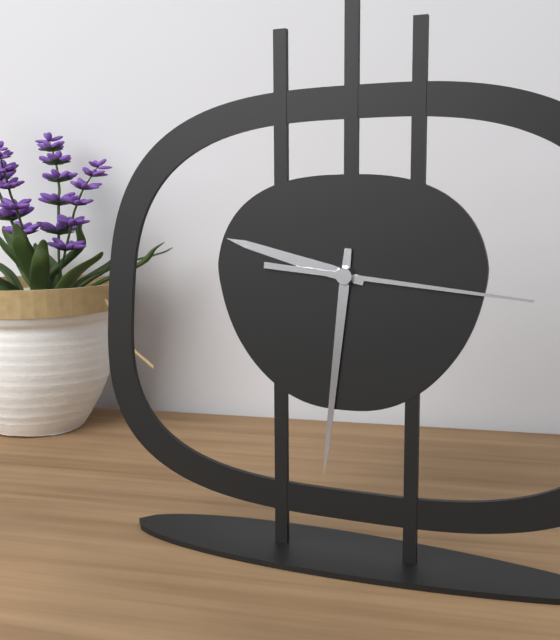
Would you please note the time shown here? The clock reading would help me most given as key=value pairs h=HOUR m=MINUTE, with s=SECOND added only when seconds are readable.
h=9 m=31 s=16
